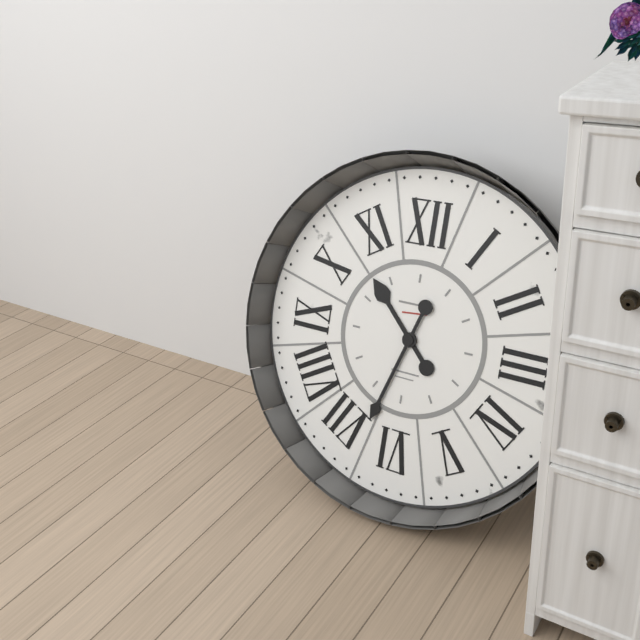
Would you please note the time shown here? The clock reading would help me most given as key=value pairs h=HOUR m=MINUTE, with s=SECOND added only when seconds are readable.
h=10 m=33
